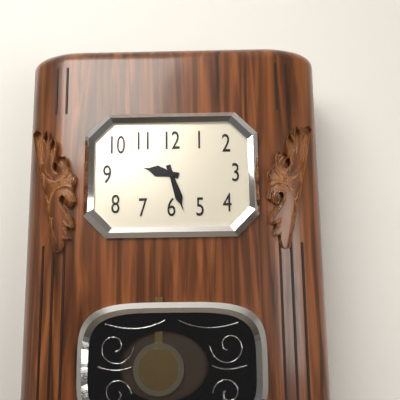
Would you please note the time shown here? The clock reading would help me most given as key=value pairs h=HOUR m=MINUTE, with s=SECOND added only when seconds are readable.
h=9 m=27
